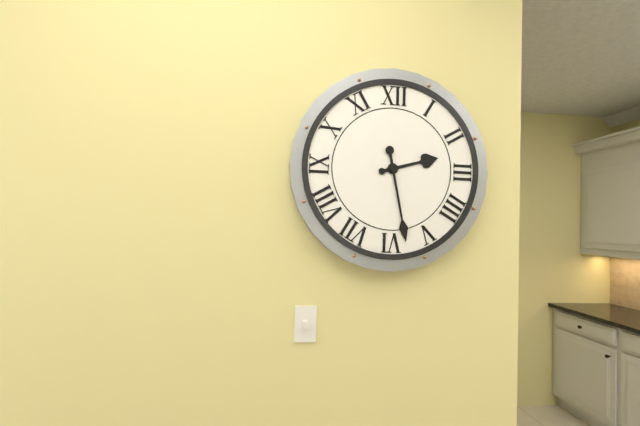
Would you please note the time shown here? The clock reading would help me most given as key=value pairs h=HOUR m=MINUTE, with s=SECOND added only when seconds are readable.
h=2 m=28
